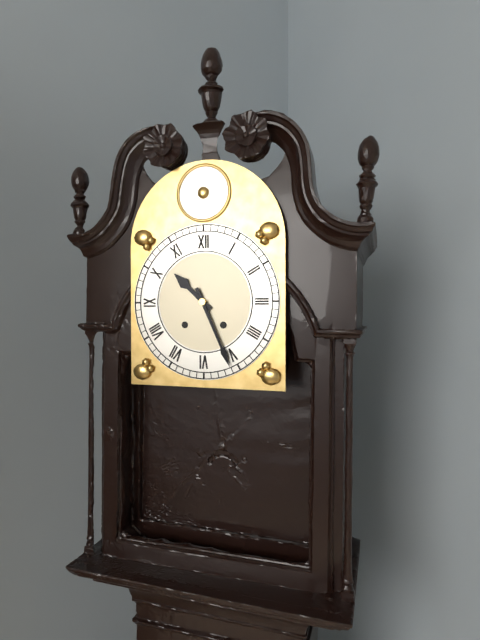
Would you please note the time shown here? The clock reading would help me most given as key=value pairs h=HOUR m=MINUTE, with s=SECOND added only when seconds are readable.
h=10 m=26
